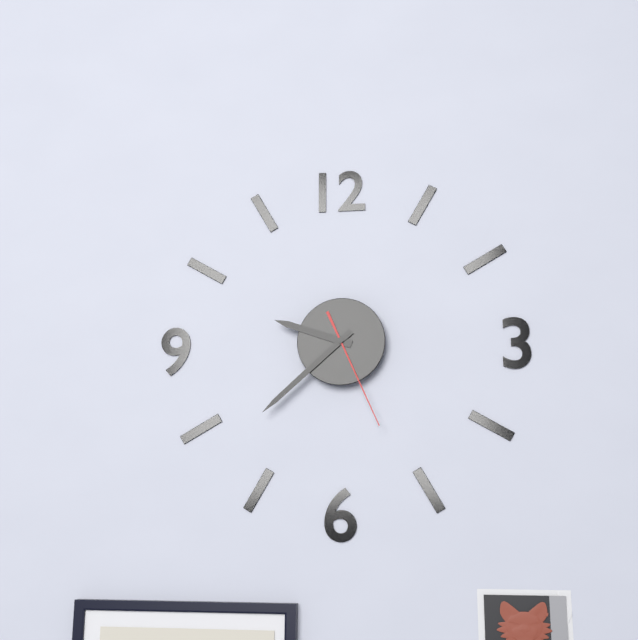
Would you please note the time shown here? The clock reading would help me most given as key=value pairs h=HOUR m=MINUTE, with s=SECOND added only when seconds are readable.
h=9 m=38 s=26
